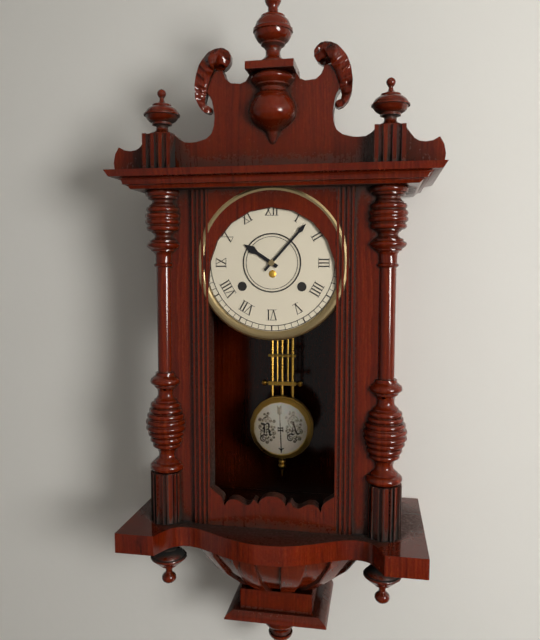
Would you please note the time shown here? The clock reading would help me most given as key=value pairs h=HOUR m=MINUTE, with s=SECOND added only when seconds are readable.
h=10 m=7
